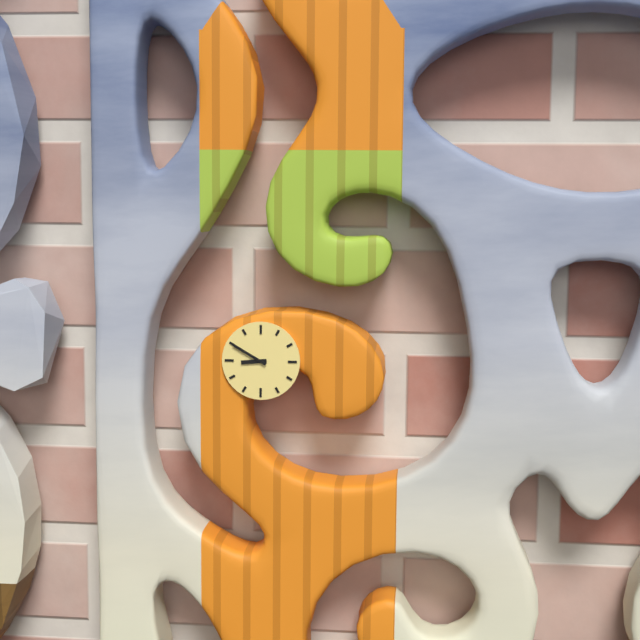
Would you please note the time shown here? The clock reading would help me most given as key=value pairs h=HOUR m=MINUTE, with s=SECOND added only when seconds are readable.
h=8 m=50
